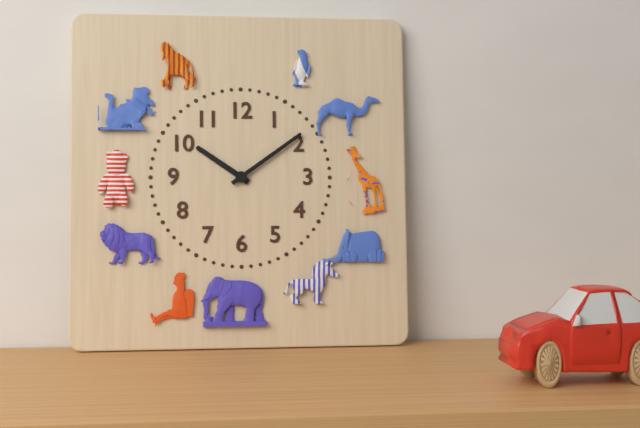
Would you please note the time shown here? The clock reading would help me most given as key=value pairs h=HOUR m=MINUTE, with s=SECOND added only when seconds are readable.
h=10 m=9
